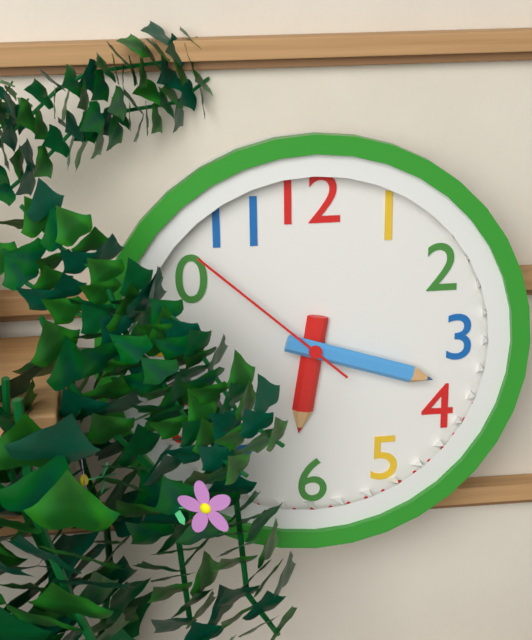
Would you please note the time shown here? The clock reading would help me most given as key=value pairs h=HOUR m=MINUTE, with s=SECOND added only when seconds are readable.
h=6 m=18 s=52
